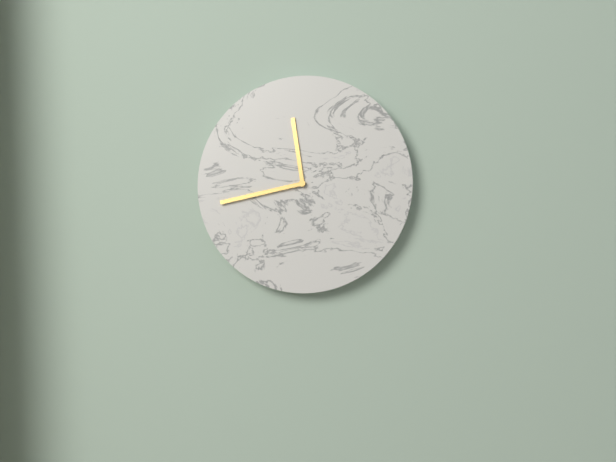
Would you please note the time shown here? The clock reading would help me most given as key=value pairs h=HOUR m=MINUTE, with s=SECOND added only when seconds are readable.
h=11 m=43
